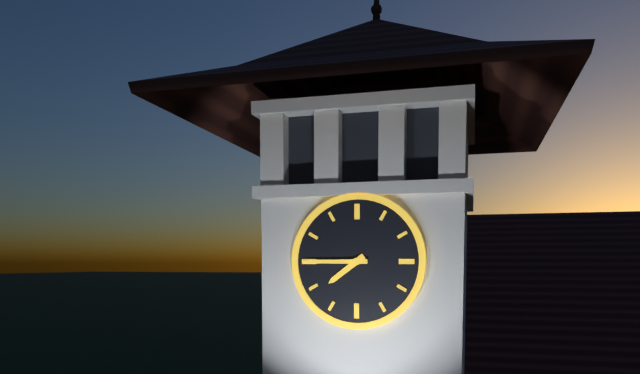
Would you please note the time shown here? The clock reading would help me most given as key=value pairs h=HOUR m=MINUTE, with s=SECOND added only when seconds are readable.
h=7 m=45
